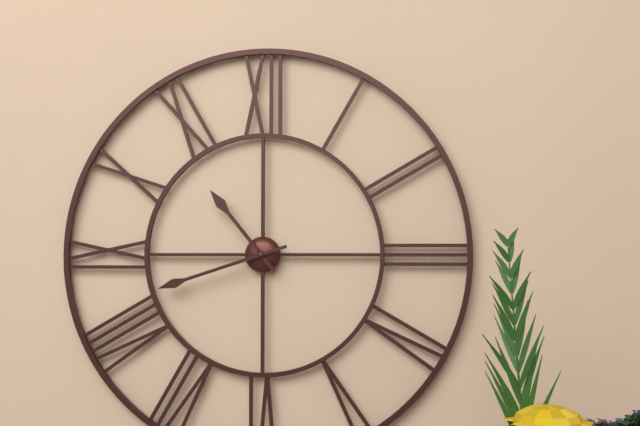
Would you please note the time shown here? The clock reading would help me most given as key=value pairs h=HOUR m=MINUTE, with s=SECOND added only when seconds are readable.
h=10 m=42
